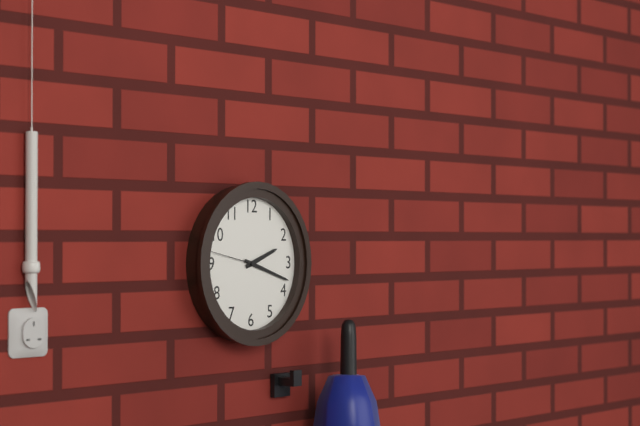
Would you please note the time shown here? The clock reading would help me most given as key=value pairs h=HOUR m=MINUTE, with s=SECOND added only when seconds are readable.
h=2 m=18 s=47
